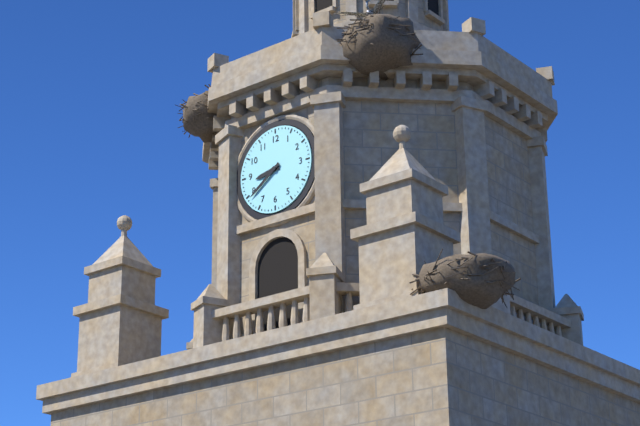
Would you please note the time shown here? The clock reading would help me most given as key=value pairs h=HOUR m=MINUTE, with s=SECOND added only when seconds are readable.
h=8 m=39
